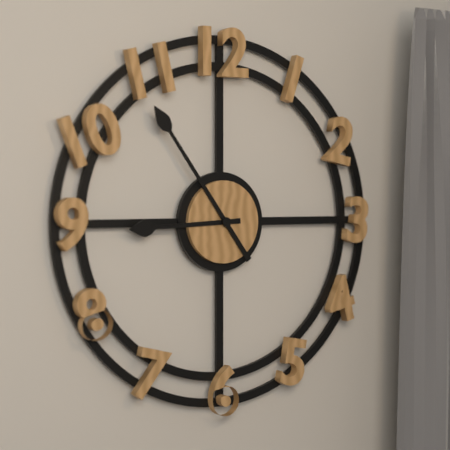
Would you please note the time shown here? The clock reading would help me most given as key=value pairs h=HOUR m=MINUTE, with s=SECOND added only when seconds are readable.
h=8 m=54
